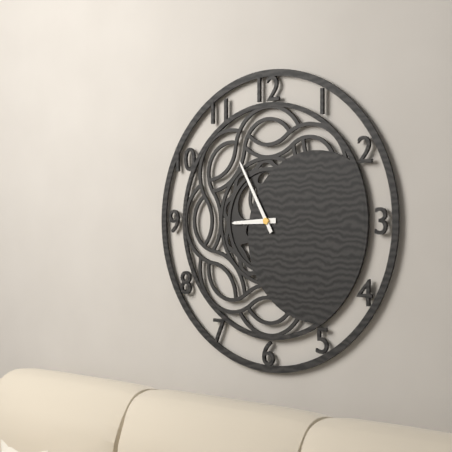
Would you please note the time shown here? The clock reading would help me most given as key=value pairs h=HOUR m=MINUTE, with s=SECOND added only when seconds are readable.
h=8 m=55
